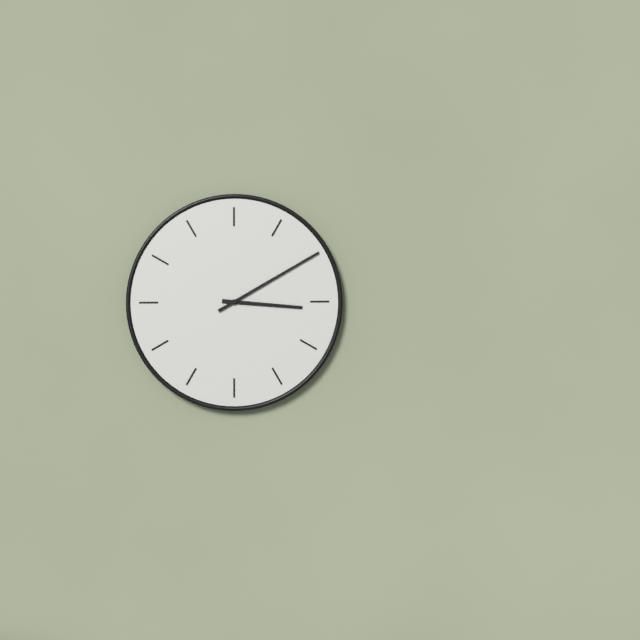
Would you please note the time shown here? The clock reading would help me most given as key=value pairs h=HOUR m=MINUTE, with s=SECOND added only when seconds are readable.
h=3 m=10
